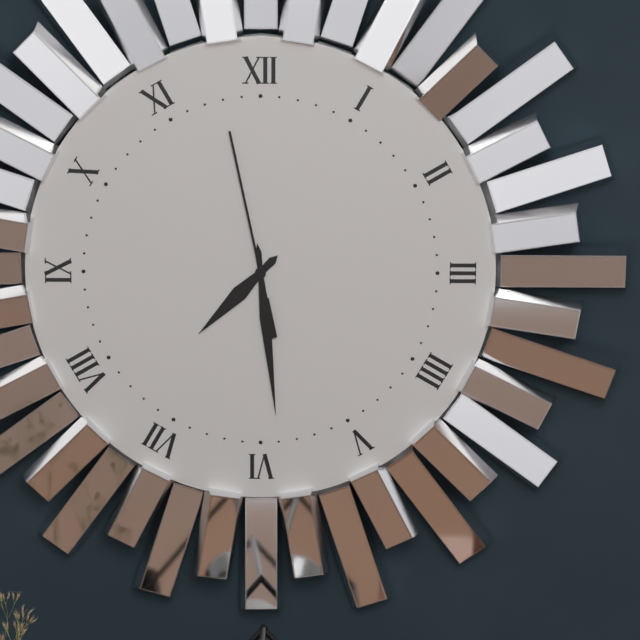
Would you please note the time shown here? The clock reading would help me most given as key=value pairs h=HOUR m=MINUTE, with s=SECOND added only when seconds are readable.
h=7 m=29 s=58
